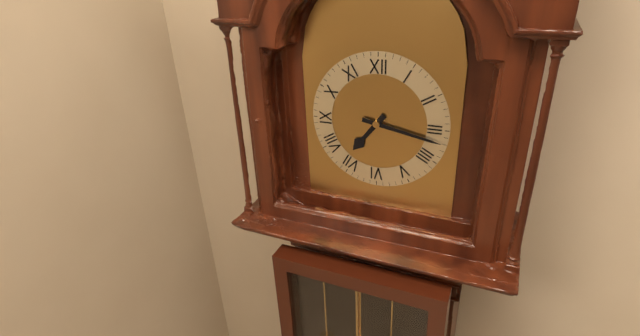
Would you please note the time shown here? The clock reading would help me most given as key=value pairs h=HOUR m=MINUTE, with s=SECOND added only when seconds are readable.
h=7 m=17
